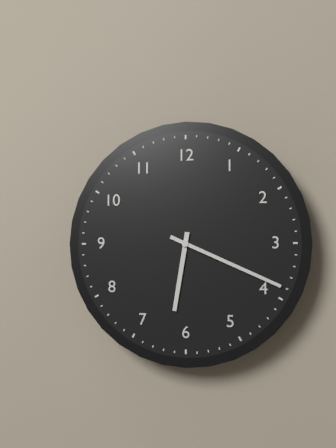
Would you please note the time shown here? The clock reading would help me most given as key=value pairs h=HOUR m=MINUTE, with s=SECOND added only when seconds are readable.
h=6 m=19
